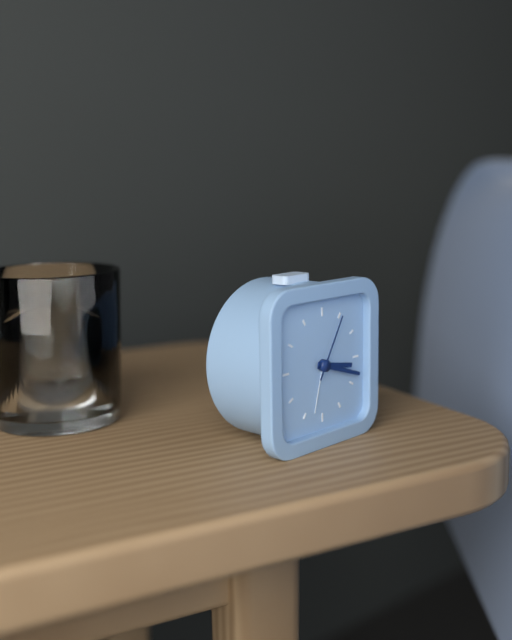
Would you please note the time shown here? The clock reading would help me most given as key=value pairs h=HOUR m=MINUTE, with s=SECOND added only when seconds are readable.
h=3 m=18 s=5
